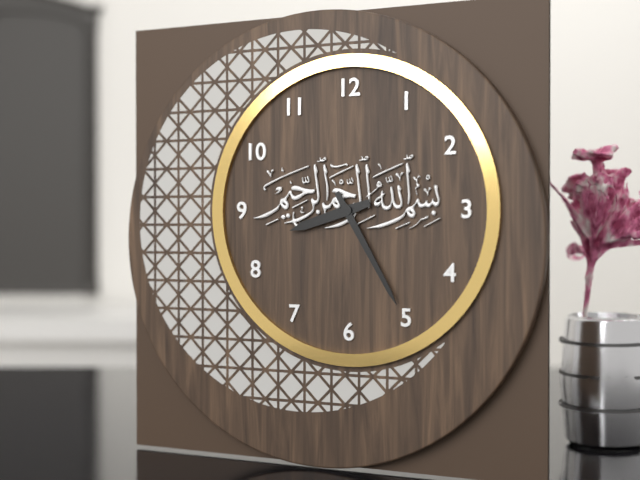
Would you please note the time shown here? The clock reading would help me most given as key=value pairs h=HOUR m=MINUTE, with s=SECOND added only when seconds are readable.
h=8 m=25
